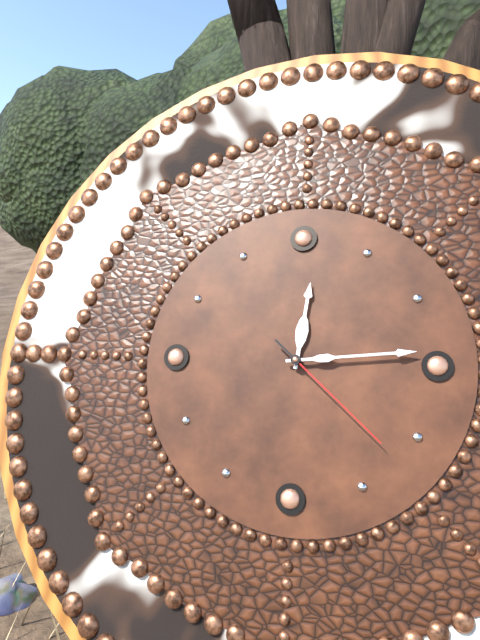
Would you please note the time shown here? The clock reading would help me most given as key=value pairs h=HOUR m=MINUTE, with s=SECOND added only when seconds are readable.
h=12 m=14 s=22
